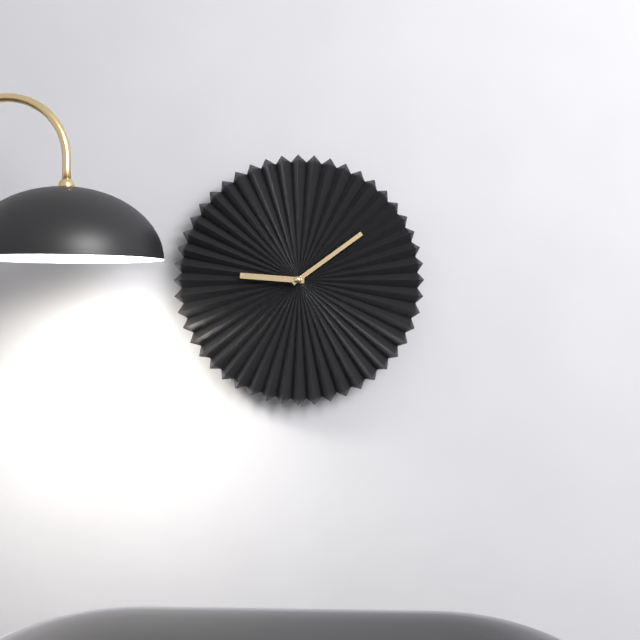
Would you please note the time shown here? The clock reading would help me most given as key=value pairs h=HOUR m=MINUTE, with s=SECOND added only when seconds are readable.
h=9 m=9
